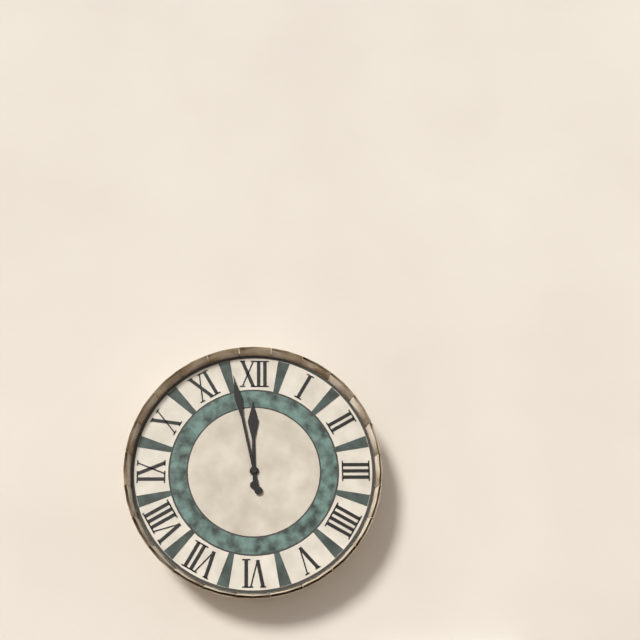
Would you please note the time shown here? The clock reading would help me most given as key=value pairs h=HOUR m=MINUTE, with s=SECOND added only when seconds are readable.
h=11 m=58
